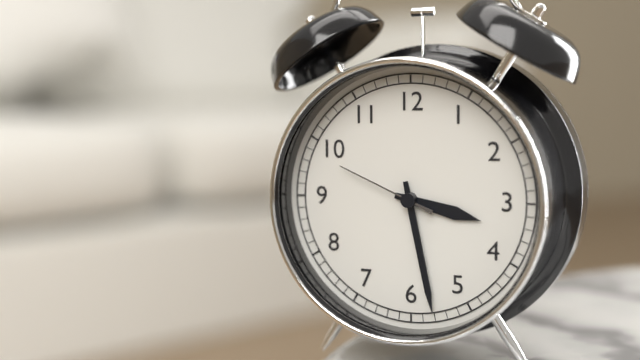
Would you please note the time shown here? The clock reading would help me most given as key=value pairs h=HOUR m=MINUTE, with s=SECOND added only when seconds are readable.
h=3 m=28 s=49
